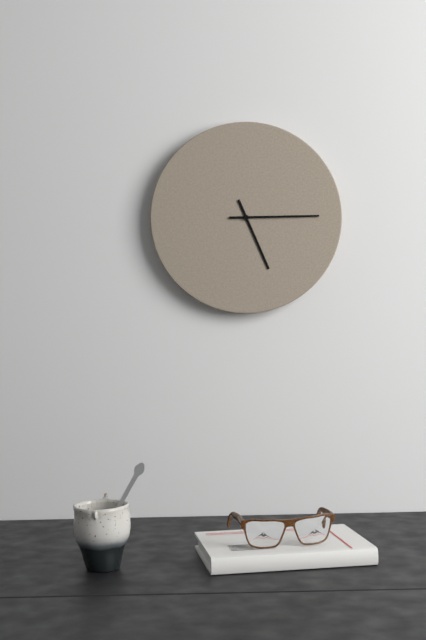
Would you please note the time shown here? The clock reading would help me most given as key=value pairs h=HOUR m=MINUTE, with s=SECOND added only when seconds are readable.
h=5 m=15
